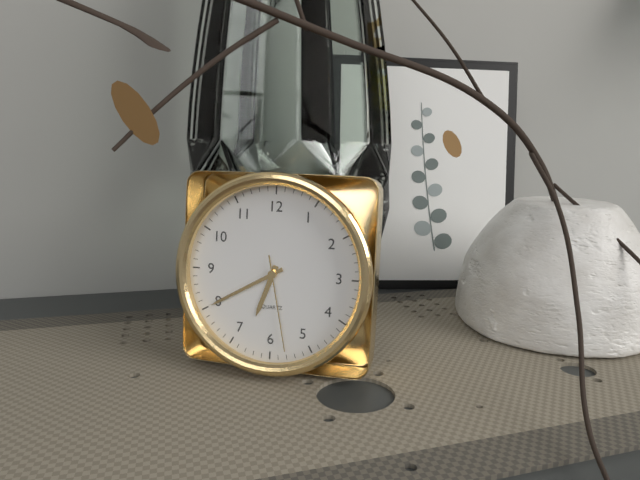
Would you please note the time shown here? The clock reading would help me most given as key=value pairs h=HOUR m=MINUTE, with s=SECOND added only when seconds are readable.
h=6 m=40 s=28
